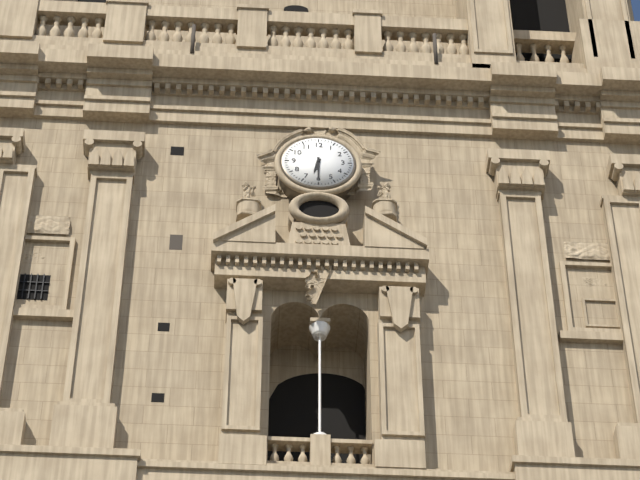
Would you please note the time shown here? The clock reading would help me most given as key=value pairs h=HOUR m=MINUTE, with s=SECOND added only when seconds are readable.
h=6 m=30
